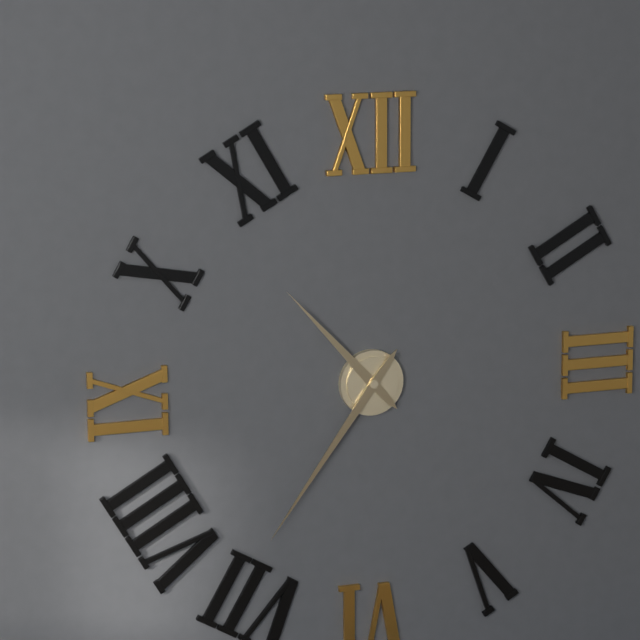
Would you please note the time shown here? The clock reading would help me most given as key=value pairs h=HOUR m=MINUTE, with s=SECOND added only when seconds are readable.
h=10 m=36
